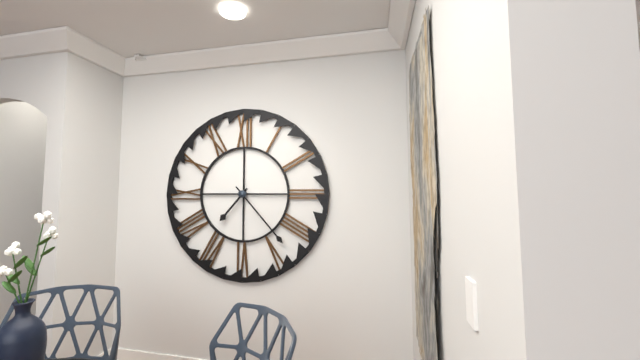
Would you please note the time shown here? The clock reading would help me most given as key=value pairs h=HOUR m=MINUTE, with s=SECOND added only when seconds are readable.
h=7 m=23
